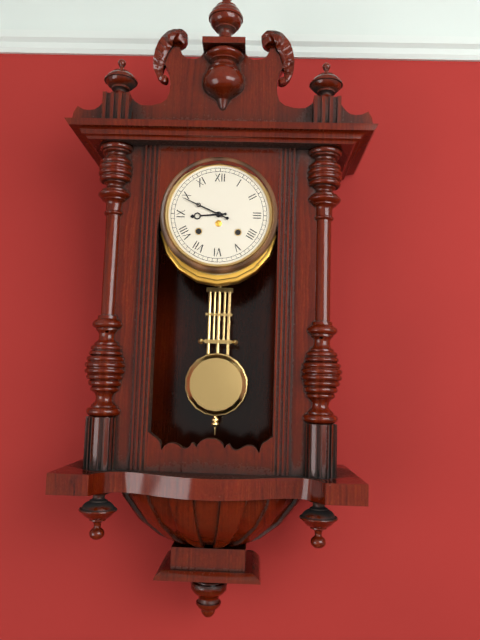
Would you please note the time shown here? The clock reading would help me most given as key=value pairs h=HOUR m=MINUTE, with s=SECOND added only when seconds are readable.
h=8 m=49
